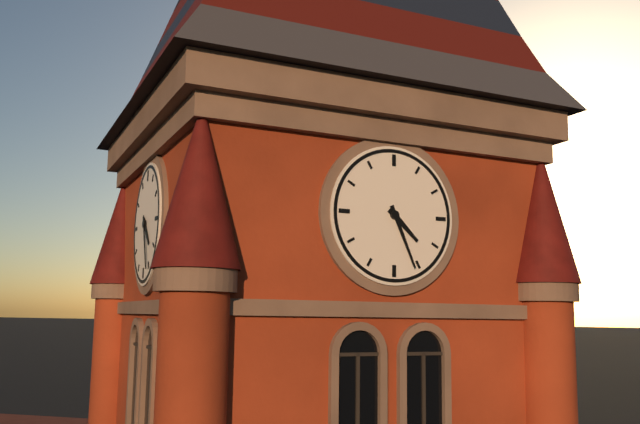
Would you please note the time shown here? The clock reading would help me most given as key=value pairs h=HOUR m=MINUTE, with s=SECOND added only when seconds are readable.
h=4 m=26
